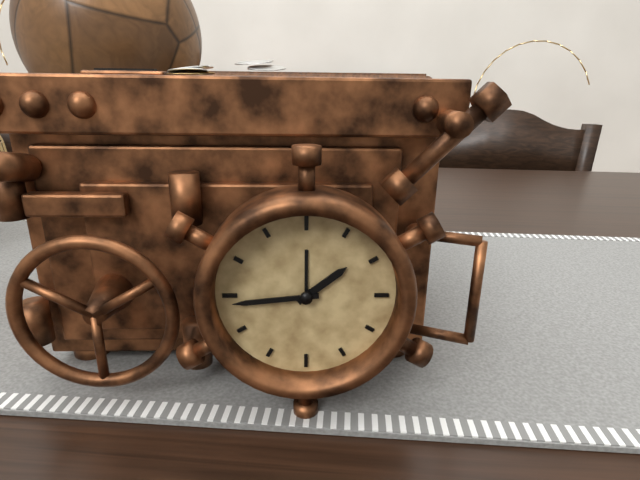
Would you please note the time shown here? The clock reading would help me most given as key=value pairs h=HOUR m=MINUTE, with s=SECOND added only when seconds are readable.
h=1 m=44
